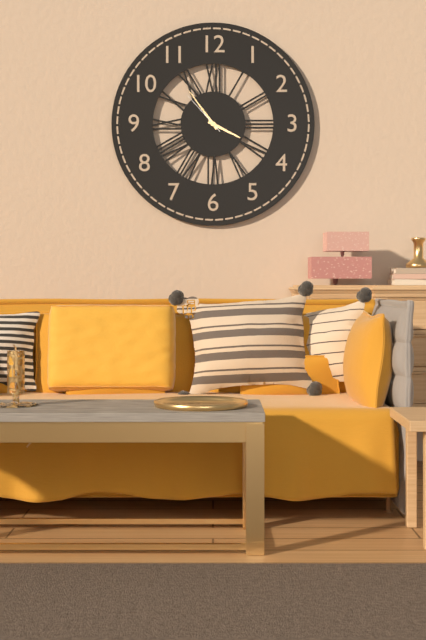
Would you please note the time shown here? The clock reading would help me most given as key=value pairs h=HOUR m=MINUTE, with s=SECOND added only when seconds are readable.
h=3 m=54
